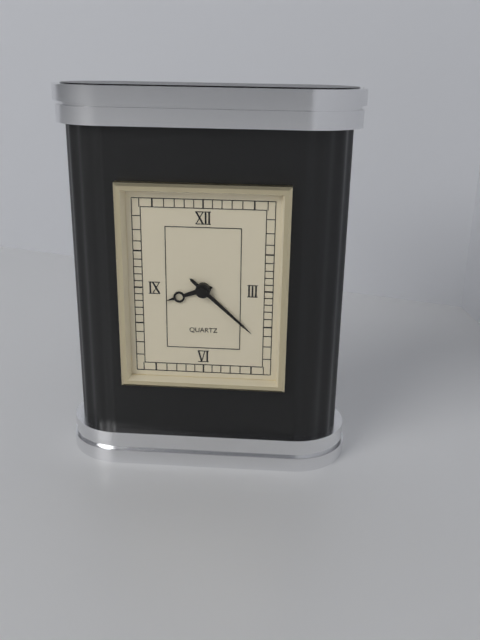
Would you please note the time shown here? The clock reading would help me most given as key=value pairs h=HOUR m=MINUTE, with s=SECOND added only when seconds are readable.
h=8 m=22
